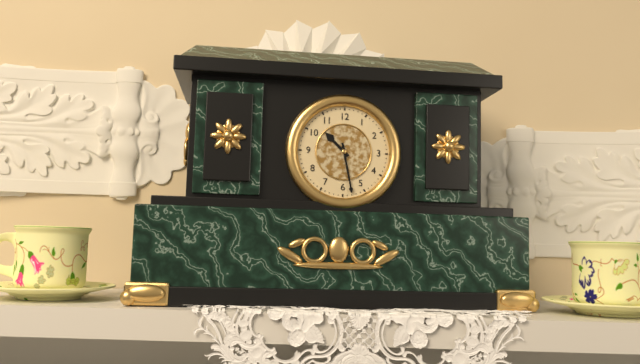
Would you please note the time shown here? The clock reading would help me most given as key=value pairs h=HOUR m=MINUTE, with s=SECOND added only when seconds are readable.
h=10 m=28
